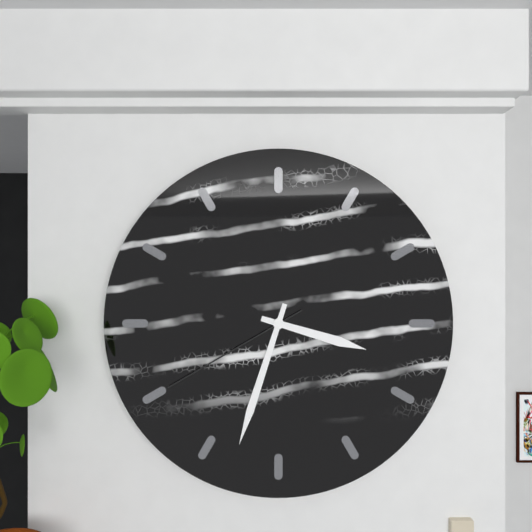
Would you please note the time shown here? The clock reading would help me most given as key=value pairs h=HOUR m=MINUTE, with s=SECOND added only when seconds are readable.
h=3 m=33 s=40
